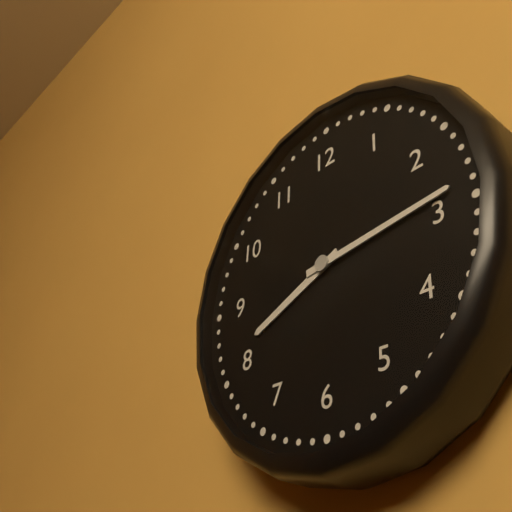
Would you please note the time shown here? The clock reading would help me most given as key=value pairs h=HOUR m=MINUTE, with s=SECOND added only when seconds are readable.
h=8 m=14
